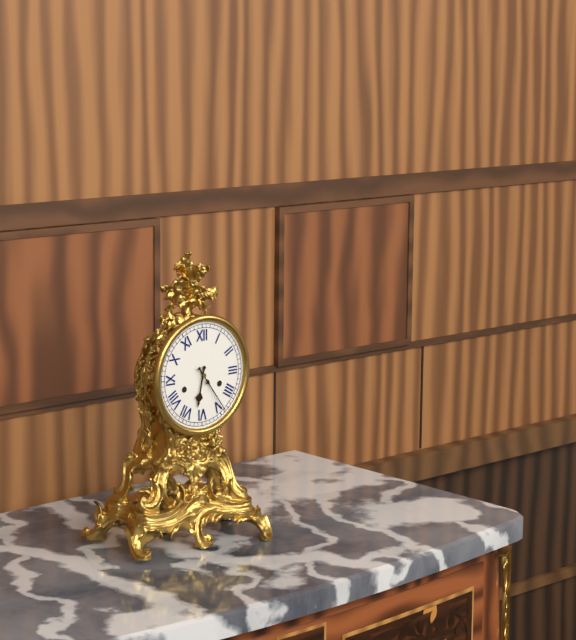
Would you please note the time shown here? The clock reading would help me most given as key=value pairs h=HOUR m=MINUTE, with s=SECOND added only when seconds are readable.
h=6 m=24
